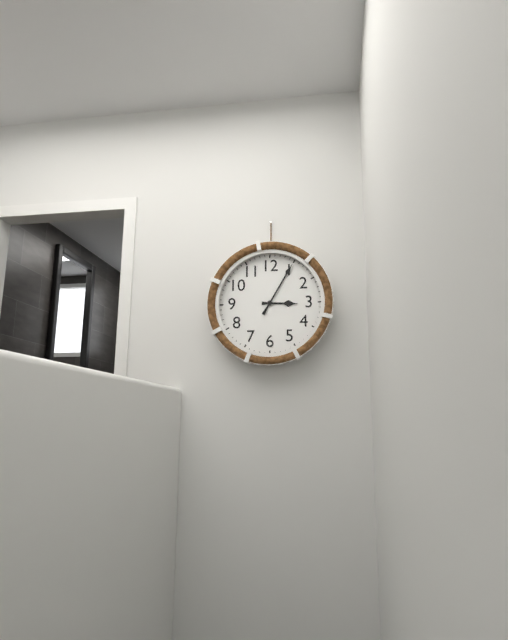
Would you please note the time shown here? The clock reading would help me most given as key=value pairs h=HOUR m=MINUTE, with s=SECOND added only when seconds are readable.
h=3 m=5
